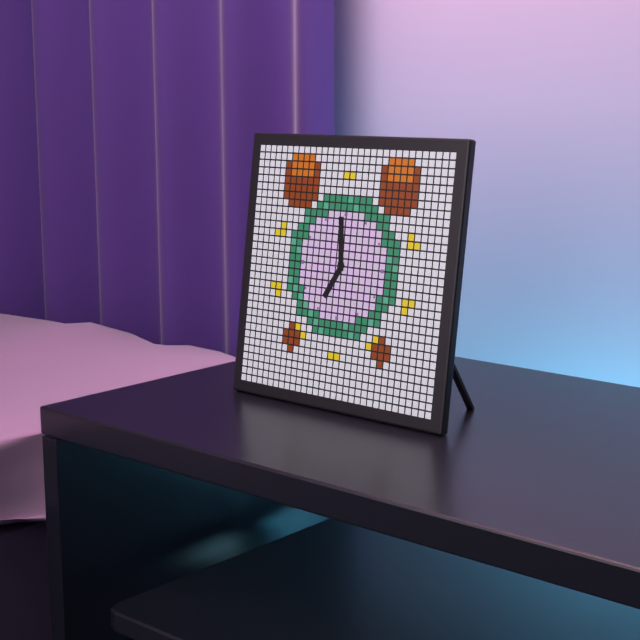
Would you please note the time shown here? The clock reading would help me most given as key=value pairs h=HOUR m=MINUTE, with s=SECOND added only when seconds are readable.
h=6 m=59
